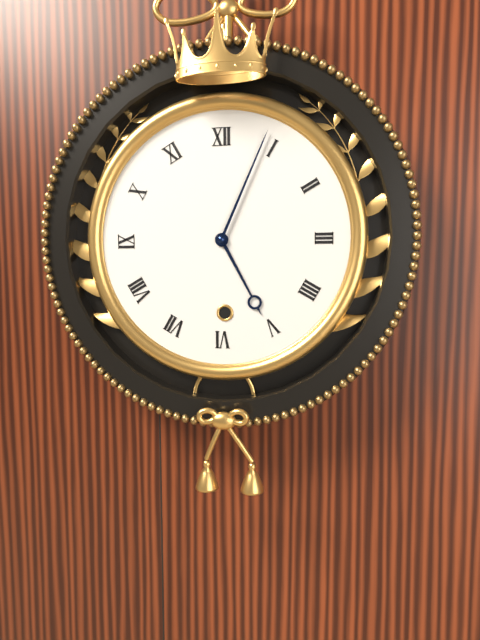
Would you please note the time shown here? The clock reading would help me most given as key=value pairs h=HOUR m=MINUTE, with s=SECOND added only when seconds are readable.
h=5 m=4
